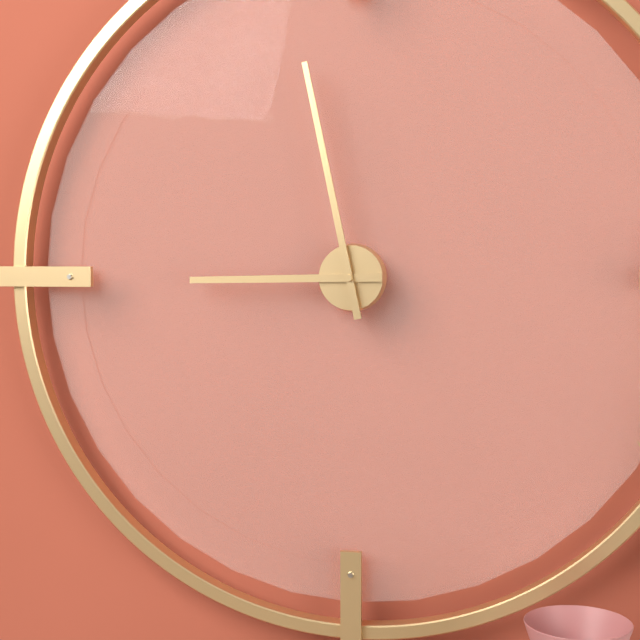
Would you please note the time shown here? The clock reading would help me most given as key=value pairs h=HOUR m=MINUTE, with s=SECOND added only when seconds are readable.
h=8 m=58
